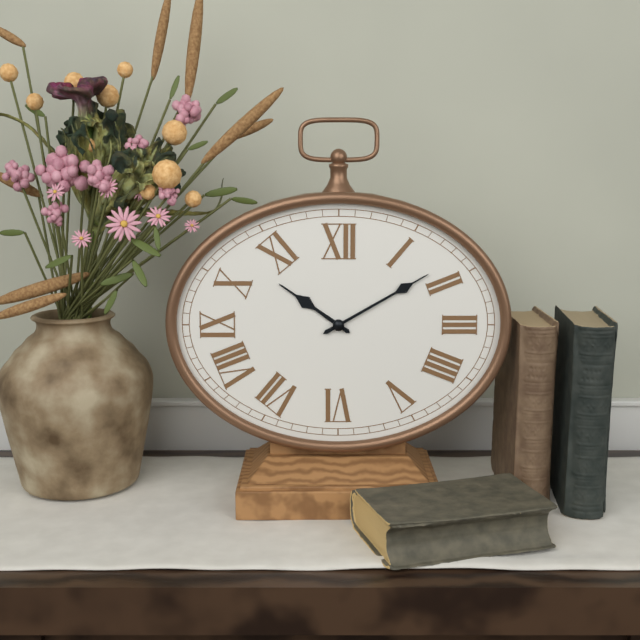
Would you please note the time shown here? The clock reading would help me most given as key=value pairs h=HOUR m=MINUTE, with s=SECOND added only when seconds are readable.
h=10 m=10
